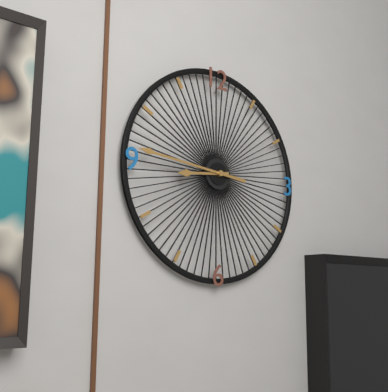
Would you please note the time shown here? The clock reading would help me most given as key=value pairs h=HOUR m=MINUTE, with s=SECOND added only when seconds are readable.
h=8 m=46
